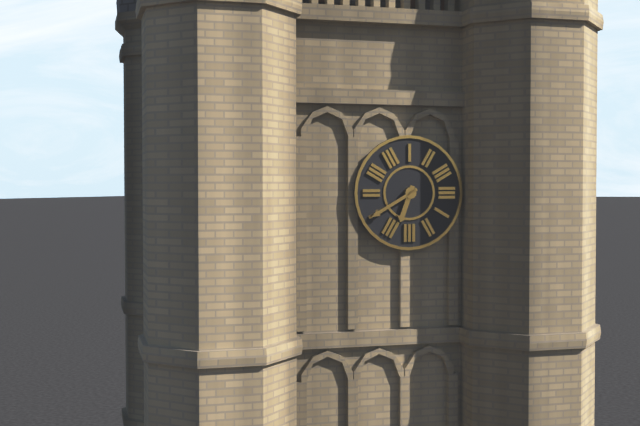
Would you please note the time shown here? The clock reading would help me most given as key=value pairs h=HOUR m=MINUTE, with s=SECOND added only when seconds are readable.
h=6 m=40
